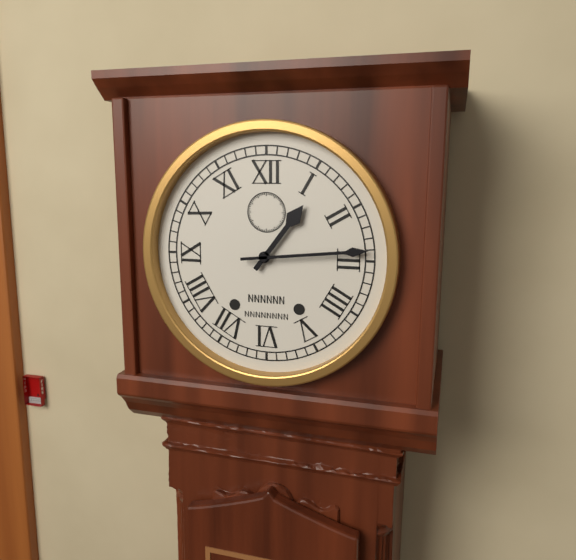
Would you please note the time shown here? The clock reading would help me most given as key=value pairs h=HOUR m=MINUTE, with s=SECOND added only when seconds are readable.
h=1 m=14
